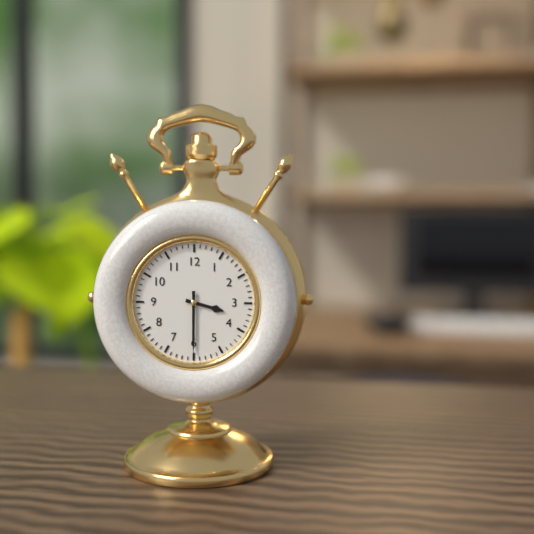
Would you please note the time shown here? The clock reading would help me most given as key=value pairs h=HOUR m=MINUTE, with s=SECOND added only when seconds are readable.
h=3 m=30
